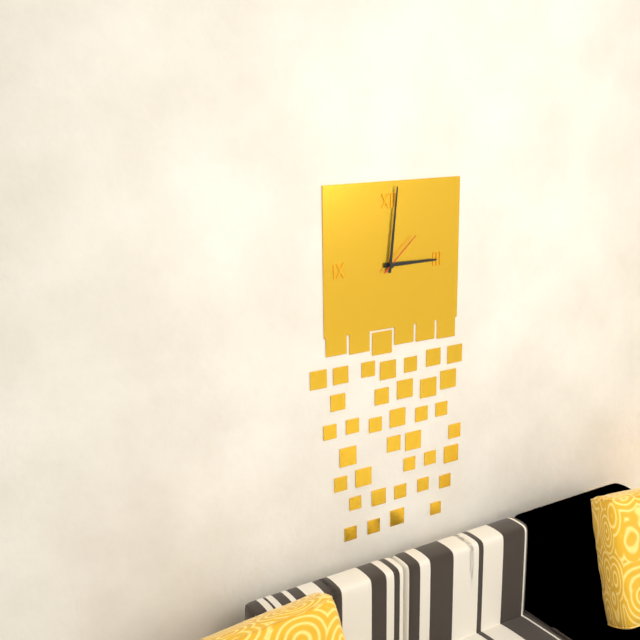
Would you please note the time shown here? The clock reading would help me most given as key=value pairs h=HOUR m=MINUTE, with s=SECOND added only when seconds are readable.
h=3 m=1
